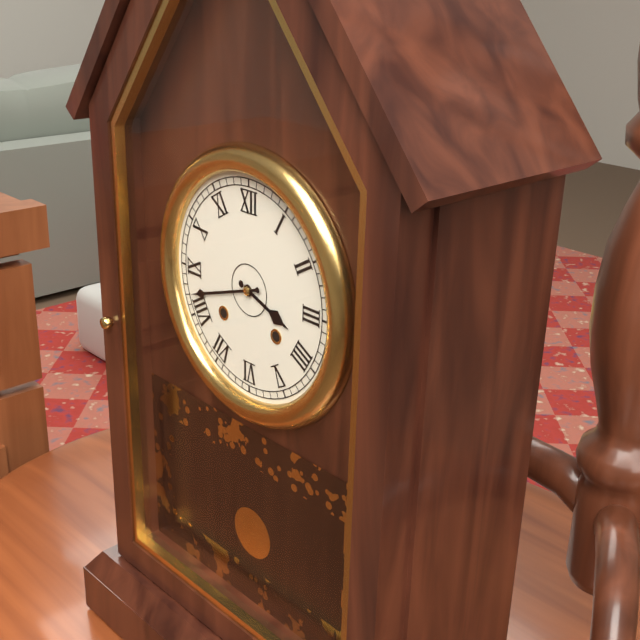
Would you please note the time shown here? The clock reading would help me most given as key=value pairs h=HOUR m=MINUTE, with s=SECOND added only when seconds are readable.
h=3 m=42
